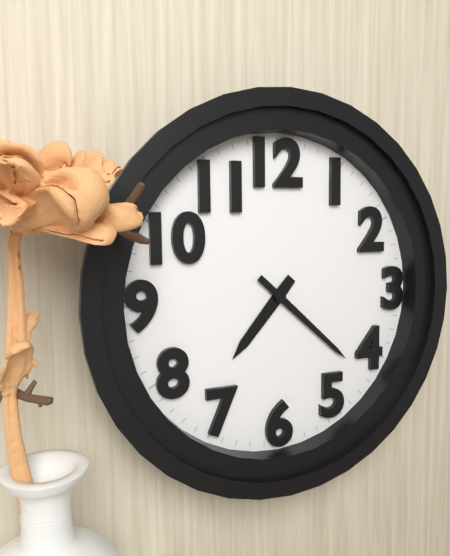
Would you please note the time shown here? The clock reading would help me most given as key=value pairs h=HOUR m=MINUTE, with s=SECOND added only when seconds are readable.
h=7 m=22
